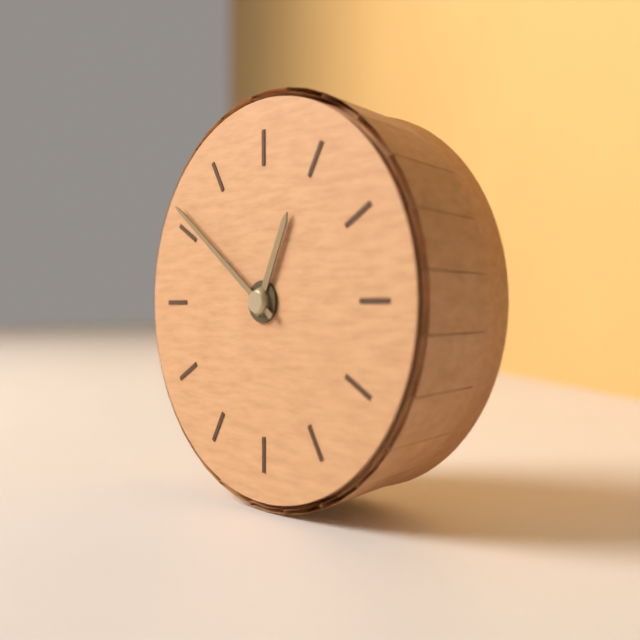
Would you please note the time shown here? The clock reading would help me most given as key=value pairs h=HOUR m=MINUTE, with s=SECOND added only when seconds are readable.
h=12 m=51
